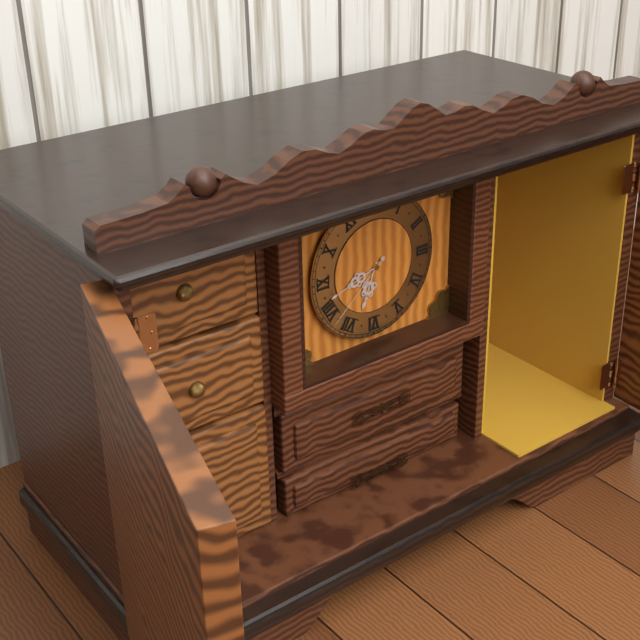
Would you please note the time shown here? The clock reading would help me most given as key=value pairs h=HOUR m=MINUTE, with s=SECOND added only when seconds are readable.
h=6 m=42 s=38
